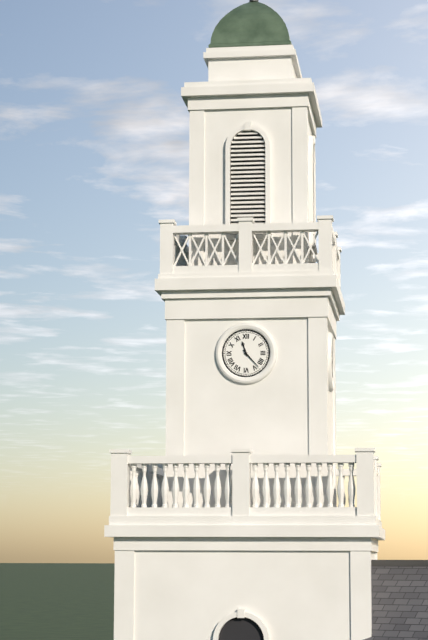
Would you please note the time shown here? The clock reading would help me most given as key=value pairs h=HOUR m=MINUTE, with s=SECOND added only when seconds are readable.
h=11 m=23
